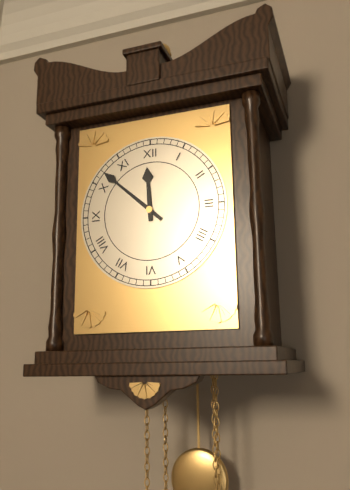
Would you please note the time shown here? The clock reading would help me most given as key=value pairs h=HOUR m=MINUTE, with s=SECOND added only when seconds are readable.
h=11 m=52
